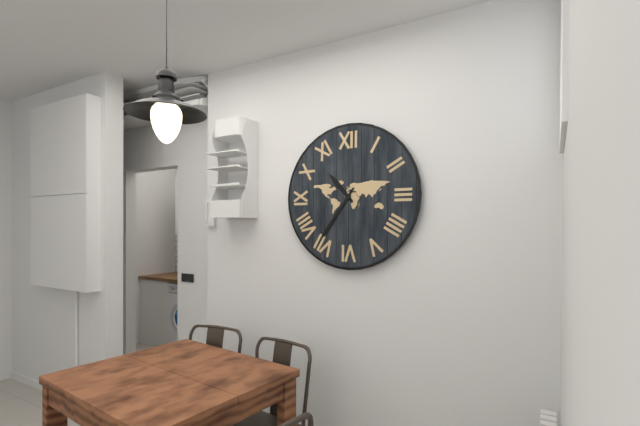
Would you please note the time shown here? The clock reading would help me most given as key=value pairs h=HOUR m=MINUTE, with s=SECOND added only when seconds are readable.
h=10 m=36
